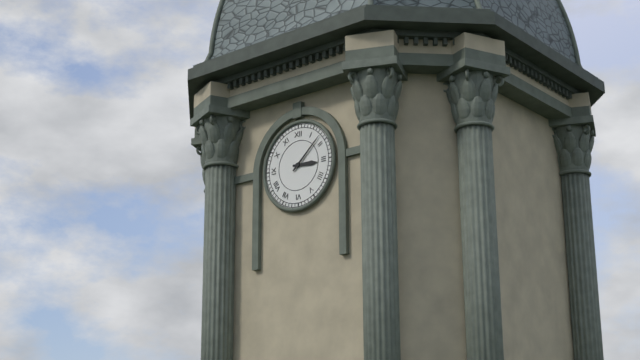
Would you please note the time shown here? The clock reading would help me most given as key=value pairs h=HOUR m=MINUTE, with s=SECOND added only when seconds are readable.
h=3 m=8
